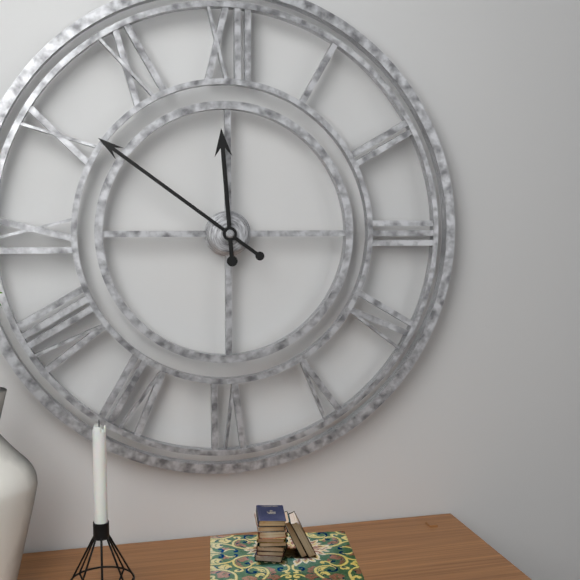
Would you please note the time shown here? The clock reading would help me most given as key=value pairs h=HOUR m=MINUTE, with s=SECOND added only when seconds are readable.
h=11 m=51
